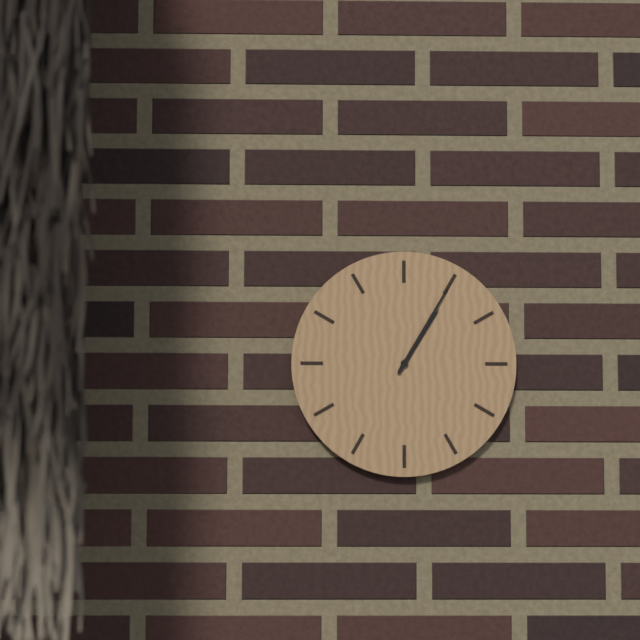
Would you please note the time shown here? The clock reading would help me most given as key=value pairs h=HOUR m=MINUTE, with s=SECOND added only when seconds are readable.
h=1 m=5
